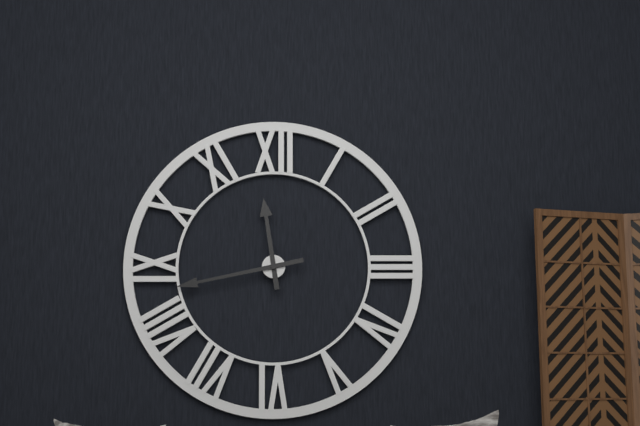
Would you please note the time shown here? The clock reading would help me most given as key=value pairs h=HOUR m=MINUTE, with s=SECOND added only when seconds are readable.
h=11 m=43
